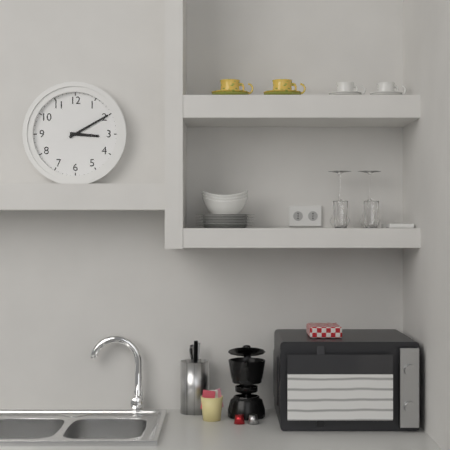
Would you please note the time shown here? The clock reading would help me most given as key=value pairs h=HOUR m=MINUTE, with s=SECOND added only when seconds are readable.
h=3 m=10
